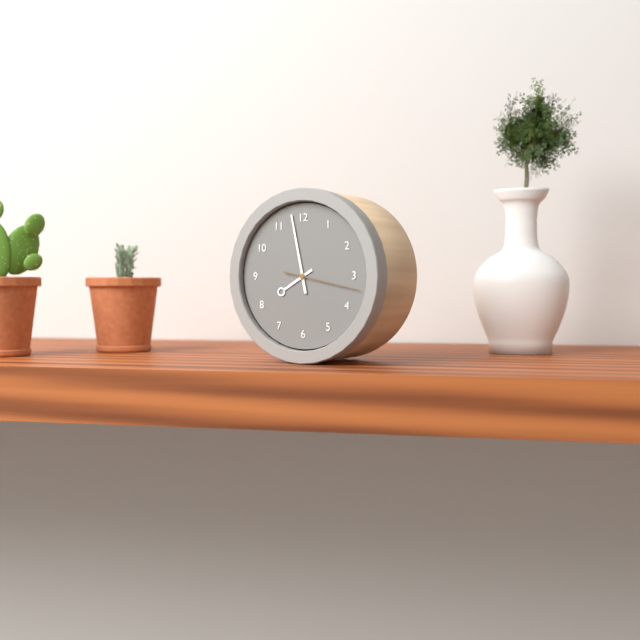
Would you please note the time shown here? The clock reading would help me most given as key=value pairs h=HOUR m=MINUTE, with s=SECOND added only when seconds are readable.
h=7 m=58 s=17
